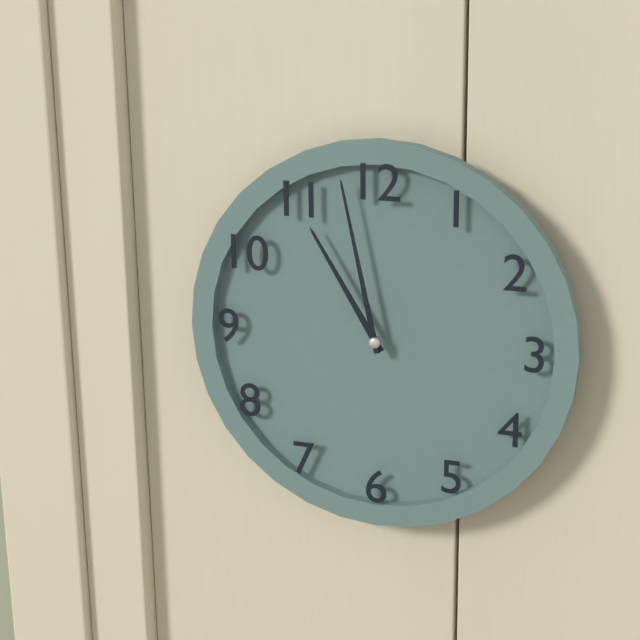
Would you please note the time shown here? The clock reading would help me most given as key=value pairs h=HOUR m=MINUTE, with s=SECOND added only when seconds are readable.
h=10 m=58
